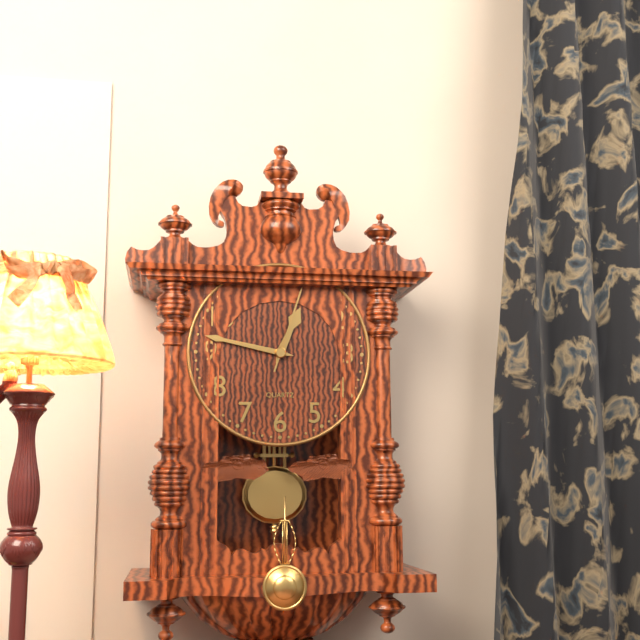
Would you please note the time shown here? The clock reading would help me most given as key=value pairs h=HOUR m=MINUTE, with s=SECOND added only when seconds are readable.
h=12 m=47 s=3
